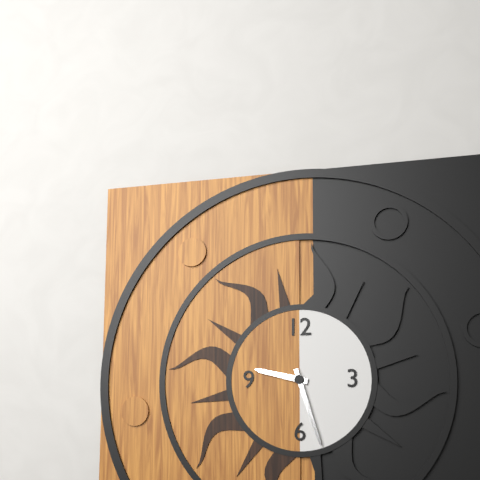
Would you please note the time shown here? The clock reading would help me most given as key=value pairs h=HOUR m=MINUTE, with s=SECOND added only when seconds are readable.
h=9 m=27
